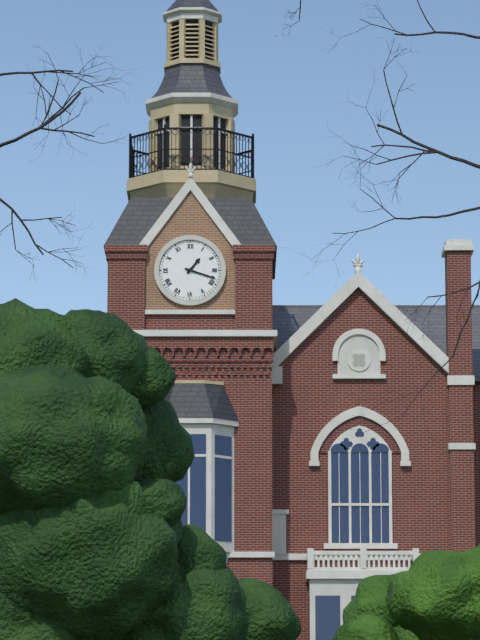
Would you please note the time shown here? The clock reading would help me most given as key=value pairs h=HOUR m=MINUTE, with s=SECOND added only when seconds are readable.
h=1 m=18
